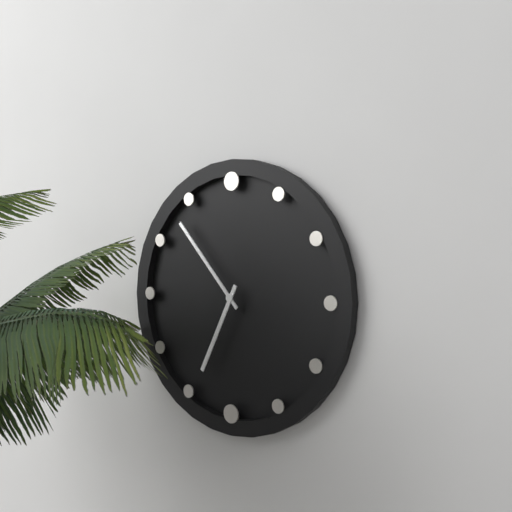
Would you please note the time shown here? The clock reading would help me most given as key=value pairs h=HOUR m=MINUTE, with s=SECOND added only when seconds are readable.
h=6 m=53
